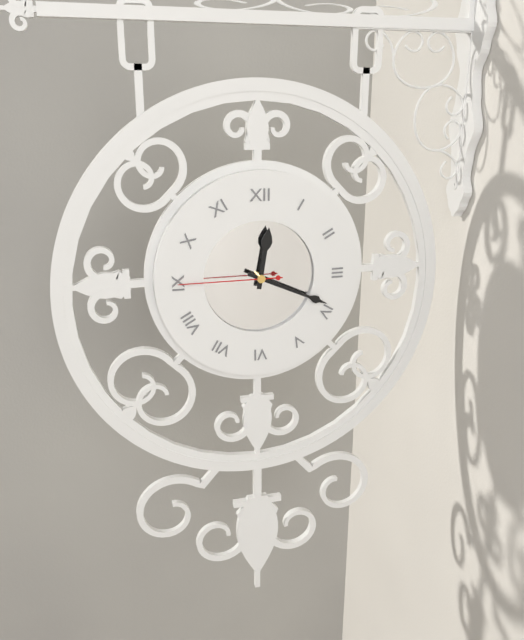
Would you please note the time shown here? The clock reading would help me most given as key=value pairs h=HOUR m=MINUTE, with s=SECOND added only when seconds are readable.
h=12 m=19 s=45
